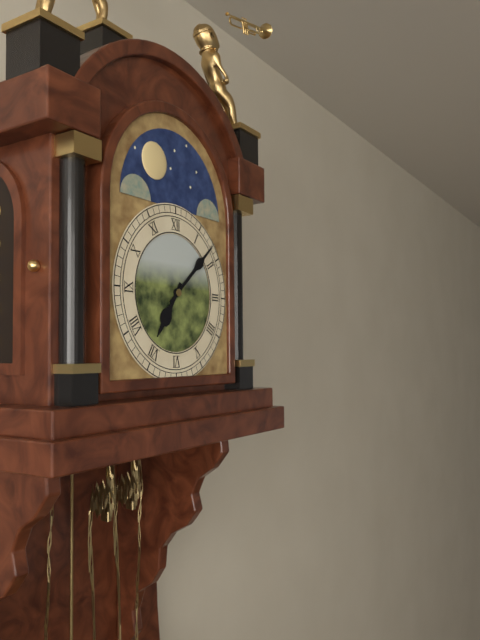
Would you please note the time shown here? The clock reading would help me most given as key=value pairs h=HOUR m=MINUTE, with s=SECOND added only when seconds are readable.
h=7 m=8
